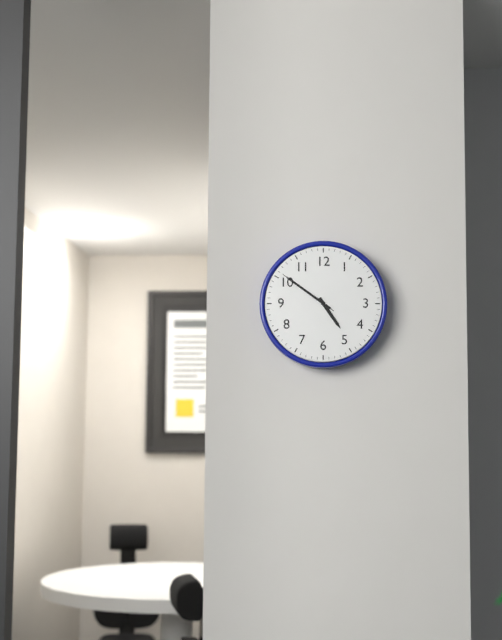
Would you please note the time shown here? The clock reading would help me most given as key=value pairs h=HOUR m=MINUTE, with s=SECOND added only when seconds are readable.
h=4 m=51 s=51
